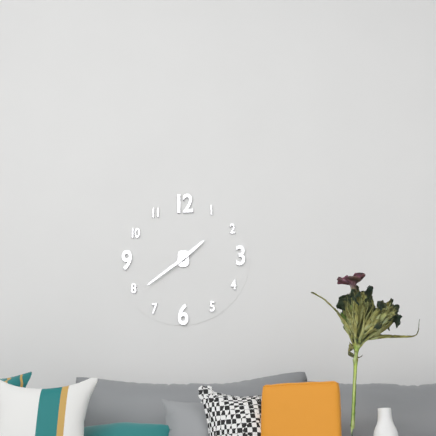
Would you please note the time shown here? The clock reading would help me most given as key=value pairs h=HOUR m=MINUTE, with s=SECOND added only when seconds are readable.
h=1 m=39
